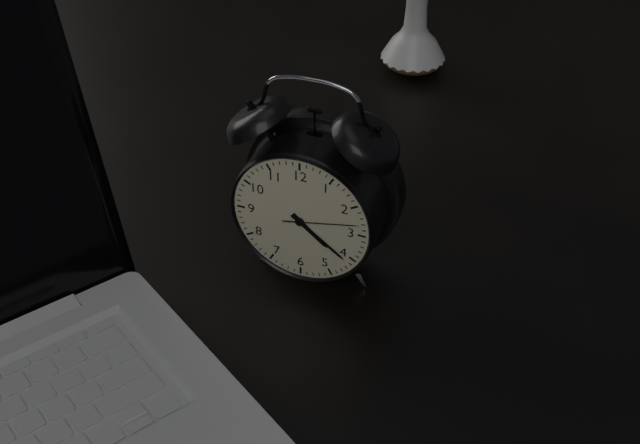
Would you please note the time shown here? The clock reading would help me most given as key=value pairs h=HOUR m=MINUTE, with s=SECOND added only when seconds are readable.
h=4 m=21 s=13
